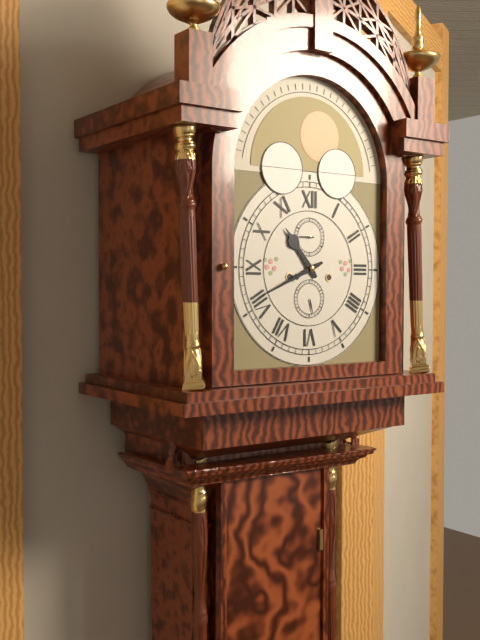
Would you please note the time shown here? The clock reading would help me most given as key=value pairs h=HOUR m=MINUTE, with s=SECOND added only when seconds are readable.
h=10 m=41
